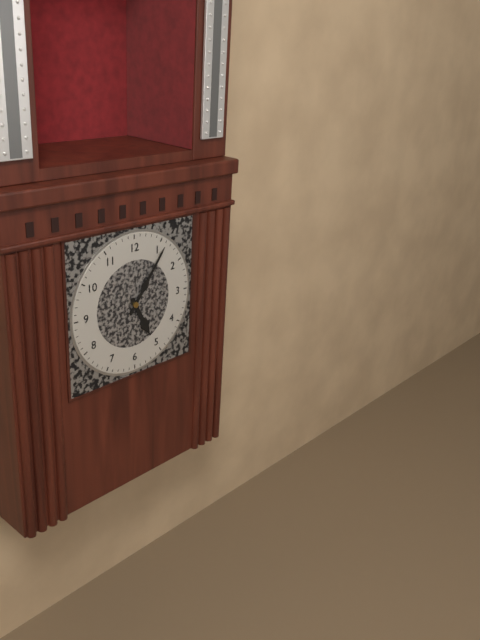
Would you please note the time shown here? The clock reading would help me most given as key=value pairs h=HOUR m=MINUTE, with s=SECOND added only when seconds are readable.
h=5 m=6
